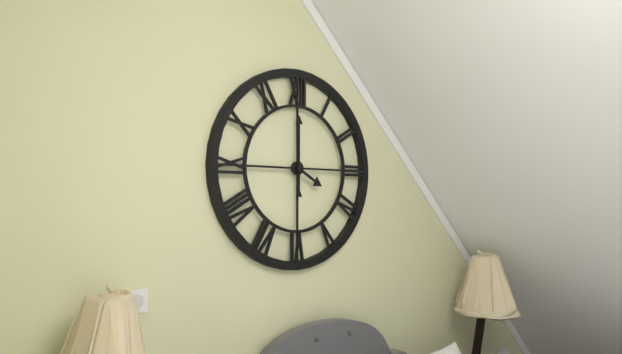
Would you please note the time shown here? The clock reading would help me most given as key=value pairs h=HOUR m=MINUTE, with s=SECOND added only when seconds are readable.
h=4 m=0
